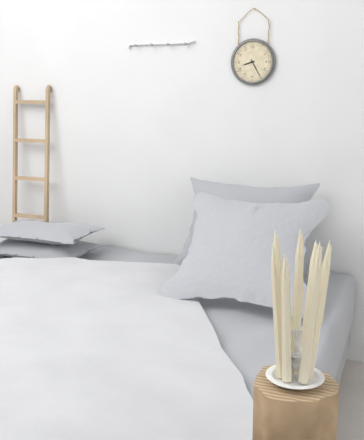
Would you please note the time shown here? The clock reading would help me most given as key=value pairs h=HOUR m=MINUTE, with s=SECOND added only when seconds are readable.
h=8 m=25
